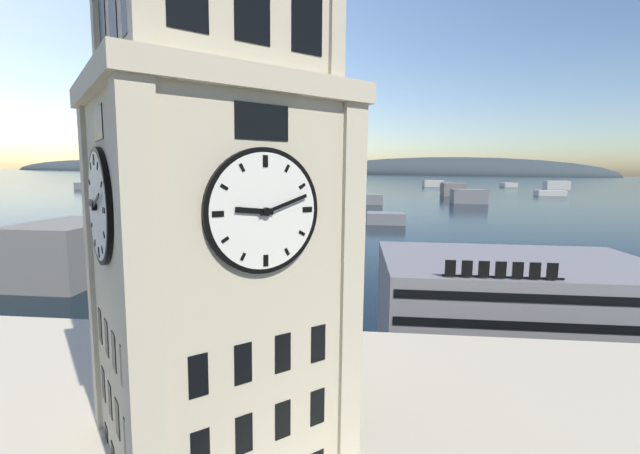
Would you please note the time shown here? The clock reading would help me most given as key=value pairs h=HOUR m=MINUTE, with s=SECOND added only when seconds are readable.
h=9 m=12
